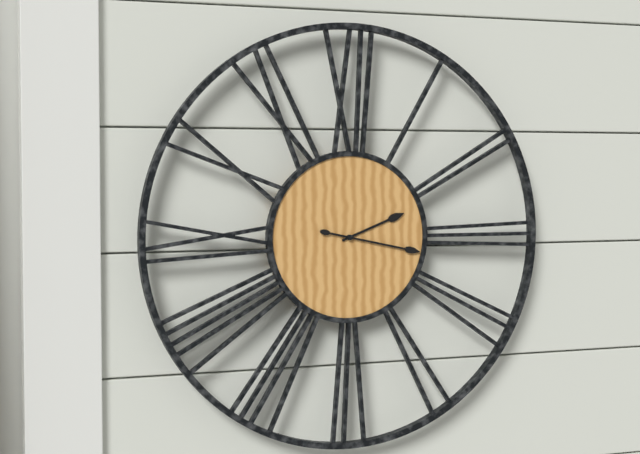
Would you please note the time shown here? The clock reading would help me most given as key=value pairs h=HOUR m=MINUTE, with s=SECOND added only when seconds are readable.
h=2 m=17
